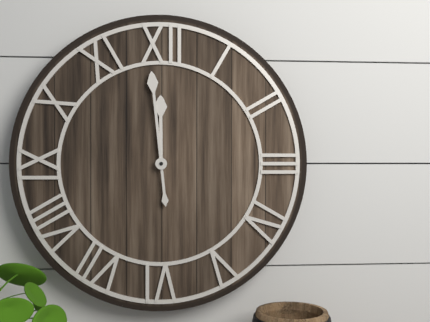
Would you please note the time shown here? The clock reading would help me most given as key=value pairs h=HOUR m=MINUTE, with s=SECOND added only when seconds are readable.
h=11 m=59
